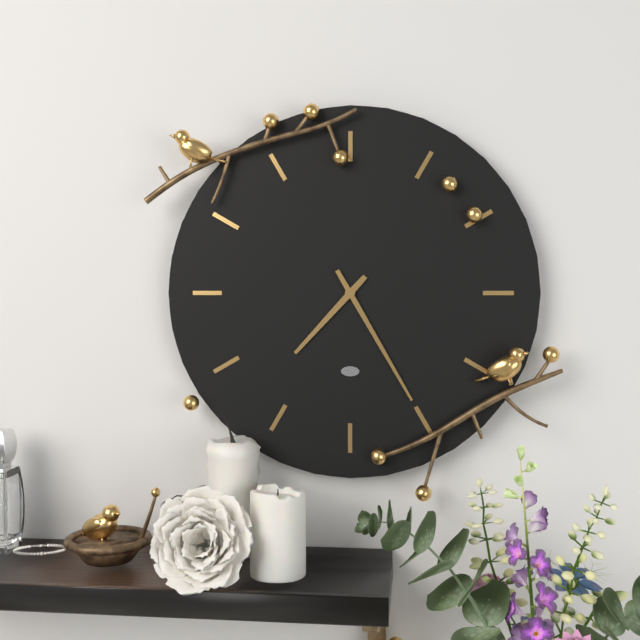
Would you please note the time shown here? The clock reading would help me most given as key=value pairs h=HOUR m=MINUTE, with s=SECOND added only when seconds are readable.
h=7 m=25
